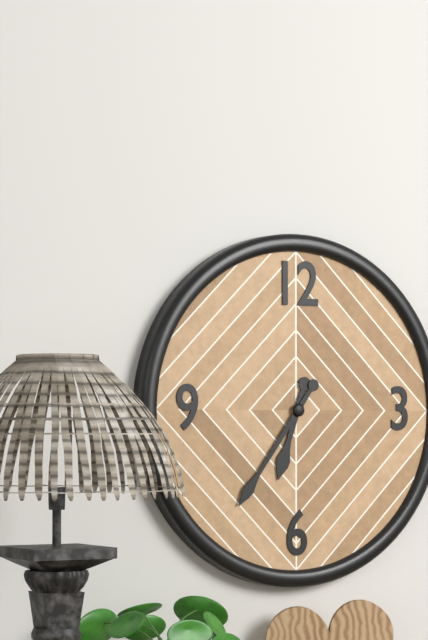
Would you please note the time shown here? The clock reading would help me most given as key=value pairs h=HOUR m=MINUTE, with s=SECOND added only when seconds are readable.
h=6 m=36
